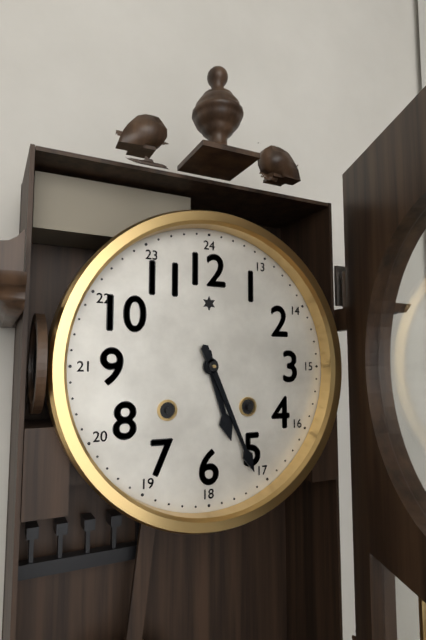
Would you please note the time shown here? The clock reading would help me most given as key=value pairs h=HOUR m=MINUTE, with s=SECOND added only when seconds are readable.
h=5 m=26
